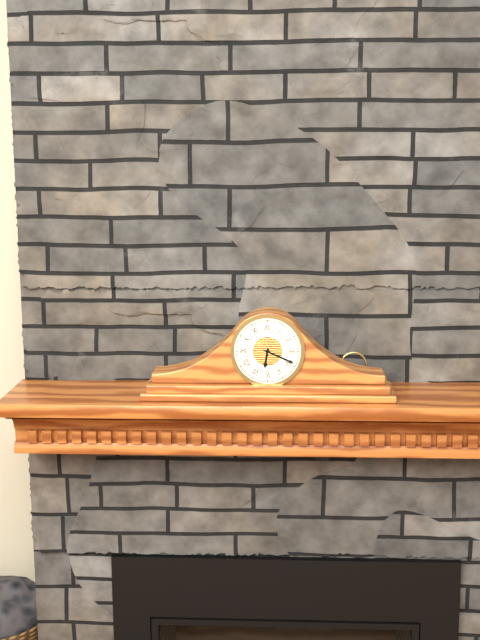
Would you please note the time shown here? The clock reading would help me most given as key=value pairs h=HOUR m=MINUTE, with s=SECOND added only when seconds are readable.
h=6 m=19
